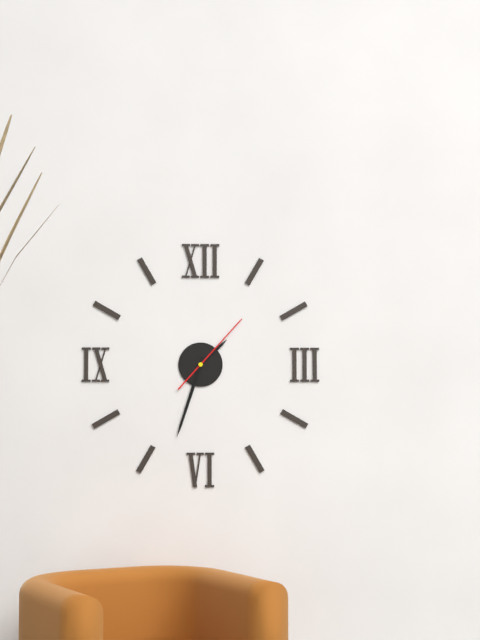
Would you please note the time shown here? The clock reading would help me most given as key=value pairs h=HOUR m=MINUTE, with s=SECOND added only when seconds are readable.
h=1 m=33 s=7
